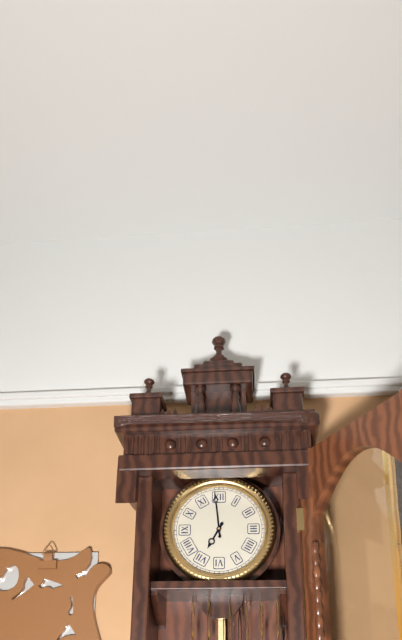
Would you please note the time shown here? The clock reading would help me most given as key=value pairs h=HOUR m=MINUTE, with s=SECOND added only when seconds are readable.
h=6 m=59
